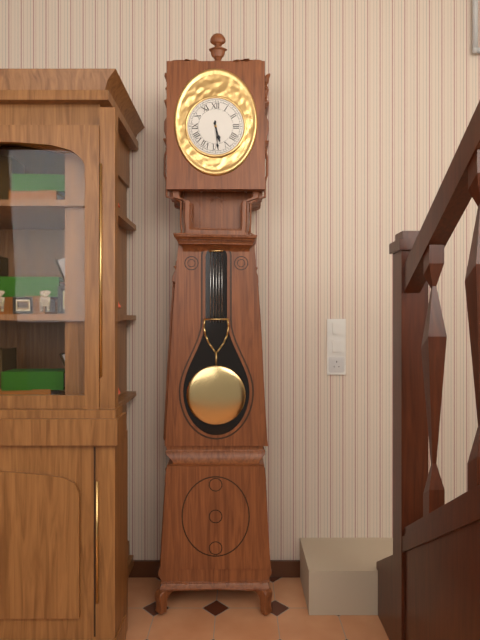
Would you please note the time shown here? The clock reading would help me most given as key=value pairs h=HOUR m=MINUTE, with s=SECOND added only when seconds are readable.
h=5 m=29
